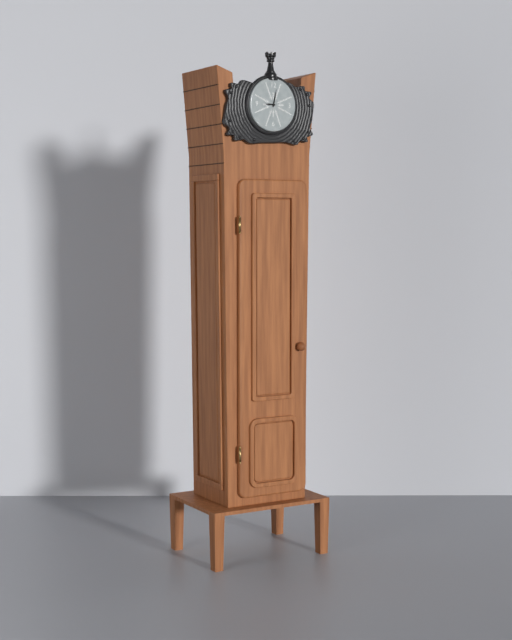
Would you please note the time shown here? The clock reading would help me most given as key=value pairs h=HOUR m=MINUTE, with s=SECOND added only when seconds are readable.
h=9 m=2
